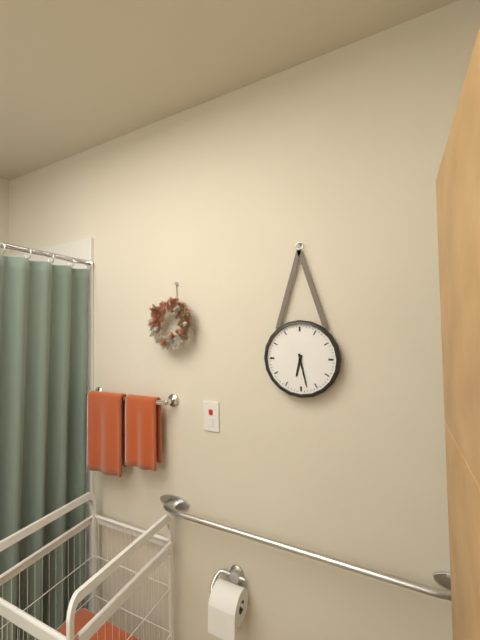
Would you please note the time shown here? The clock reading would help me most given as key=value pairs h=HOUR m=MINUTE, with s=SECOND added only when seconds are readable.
h=6 m=28
